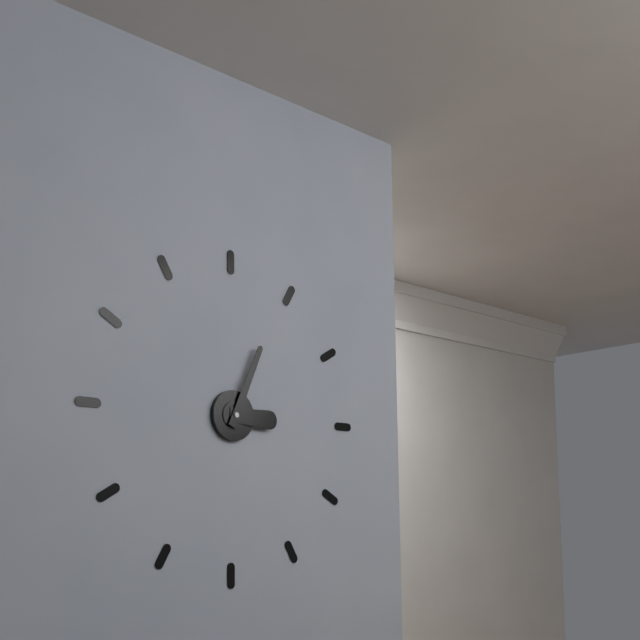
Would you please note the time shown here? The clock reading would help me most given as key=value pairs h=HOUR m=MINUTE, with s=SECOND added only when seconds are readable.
h=3 m=4
